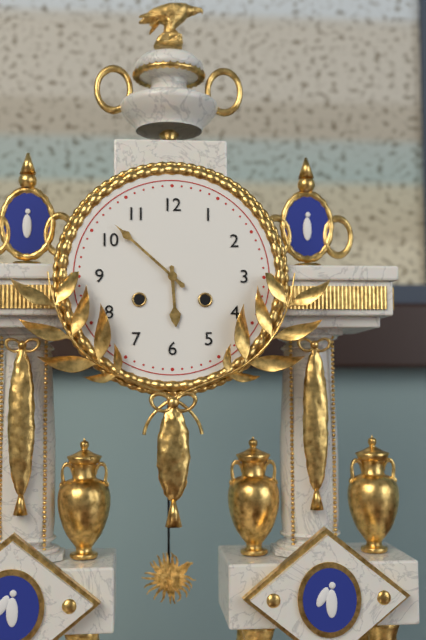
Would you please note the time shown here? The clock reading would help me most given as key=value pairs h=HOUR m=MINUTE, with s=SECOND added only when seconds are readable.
h=5 m=52
